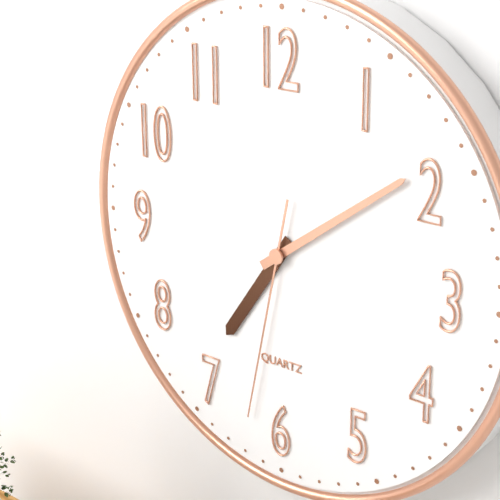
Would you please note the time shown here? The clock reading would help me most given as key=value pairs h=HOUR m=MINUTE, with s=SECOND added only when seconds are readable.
h=7 m=9 s=32
